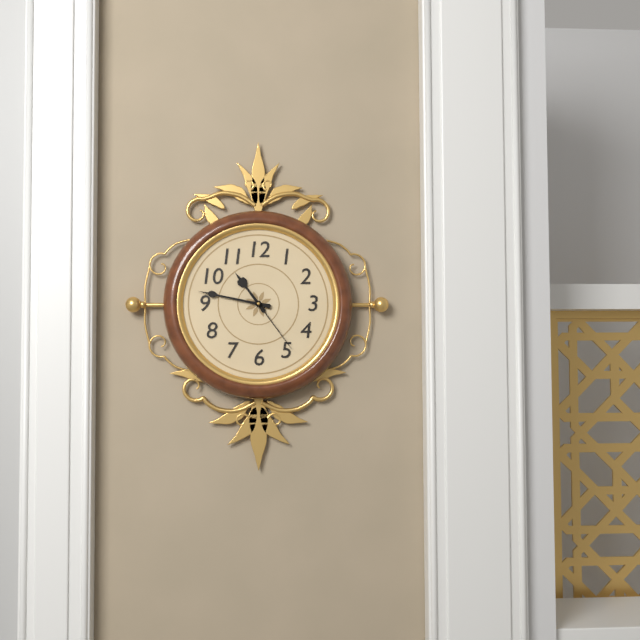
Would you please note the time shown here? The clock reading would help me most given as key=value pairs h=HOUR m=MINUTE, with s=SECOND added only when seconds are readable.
h=10 m=47 s=24
